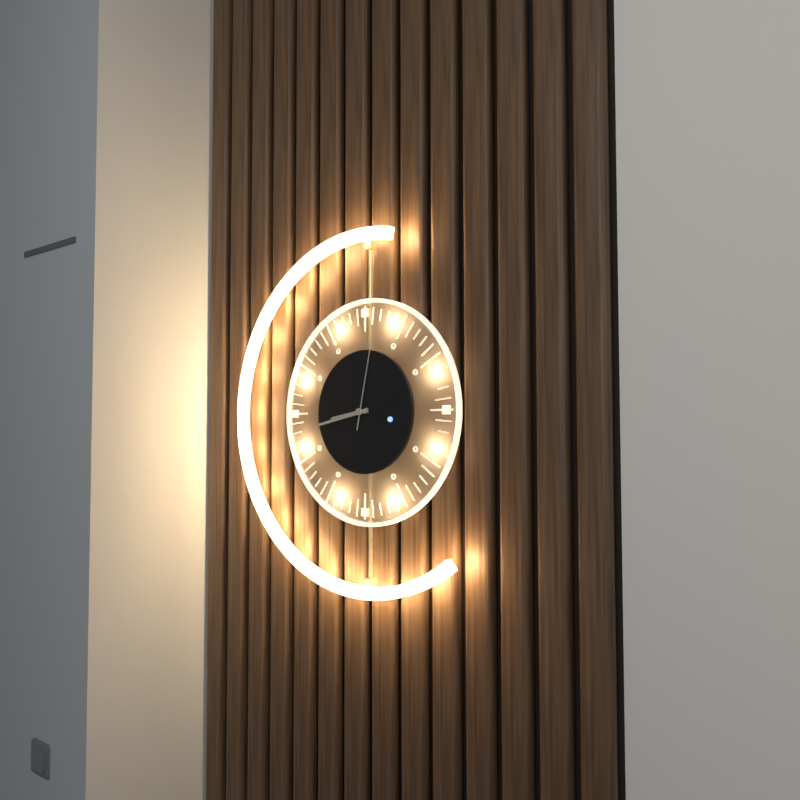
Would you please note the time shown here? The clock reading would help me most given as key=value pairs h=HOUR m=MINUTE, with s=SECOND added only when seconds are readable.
h=8 m=43 s=2
